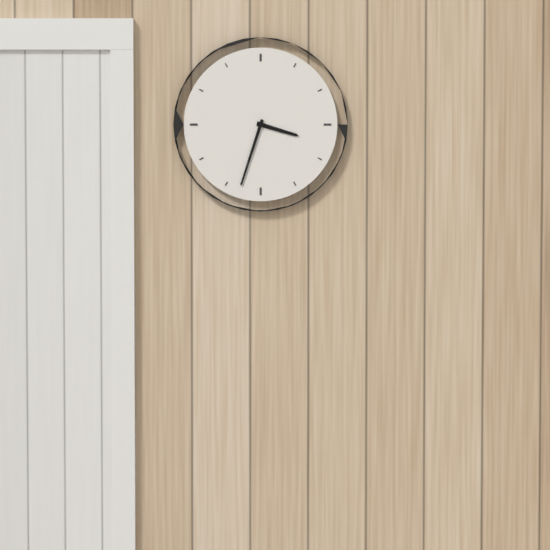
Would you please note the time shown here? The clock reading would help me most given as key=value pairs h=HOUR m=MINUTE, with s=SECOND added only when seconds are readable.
h=3 m=33
